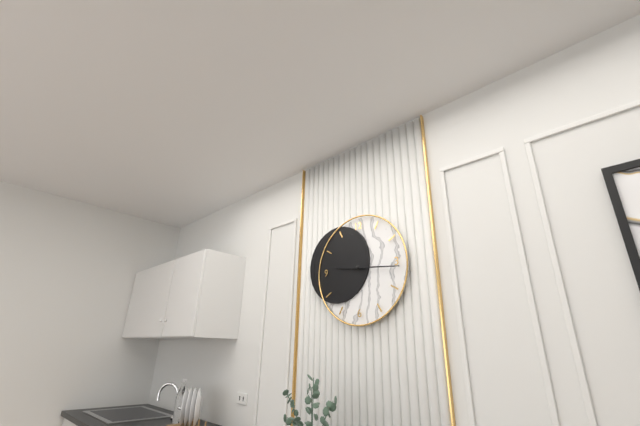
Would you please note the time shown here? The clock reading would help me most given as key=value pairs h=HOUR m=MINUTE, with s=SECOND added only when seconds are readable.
h=9 m=16
